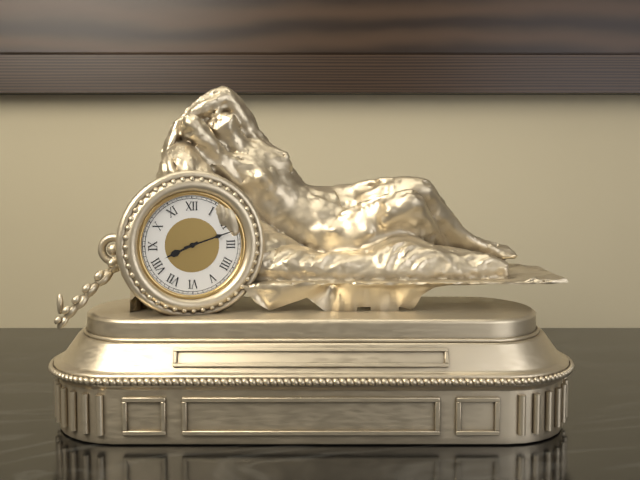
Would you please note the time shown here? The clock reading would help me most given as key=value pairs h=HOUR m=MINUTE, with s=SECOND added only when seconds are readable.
h=8 m=12
